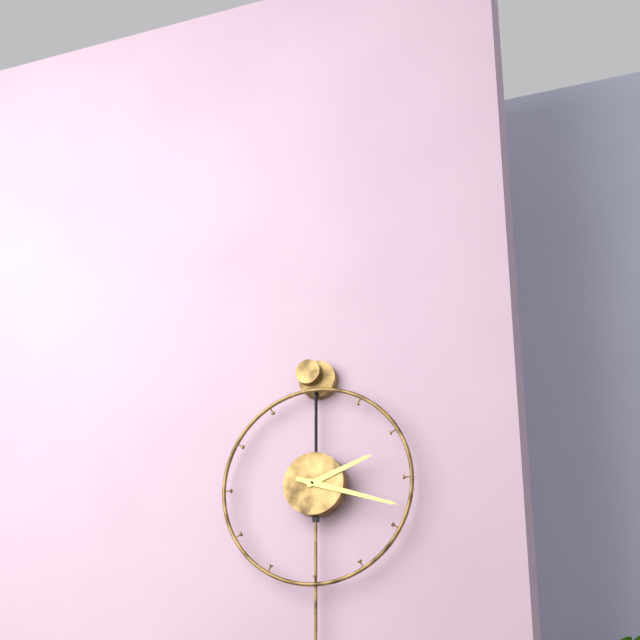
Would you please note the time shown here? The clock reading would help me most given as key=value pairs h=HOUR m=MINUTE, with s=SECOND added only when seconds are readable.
h=2 m=18
